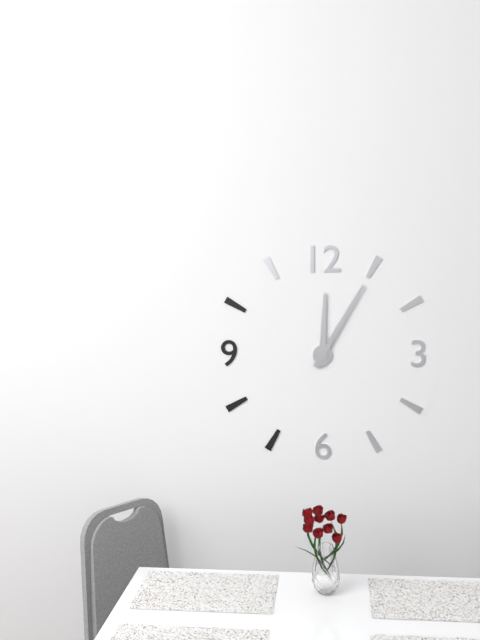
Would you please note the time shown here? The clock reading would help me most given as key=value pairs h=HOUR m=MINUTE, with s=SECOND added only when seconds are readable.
h=12 m=5
